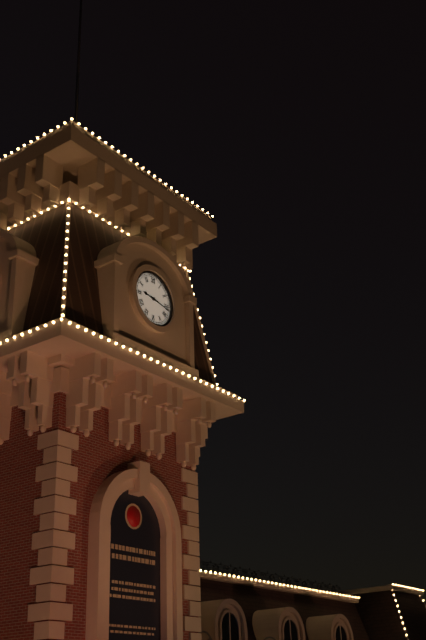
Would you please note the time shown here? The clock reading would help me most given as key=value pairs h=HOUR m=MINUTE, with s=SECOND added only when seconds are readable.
h=9 m=17
